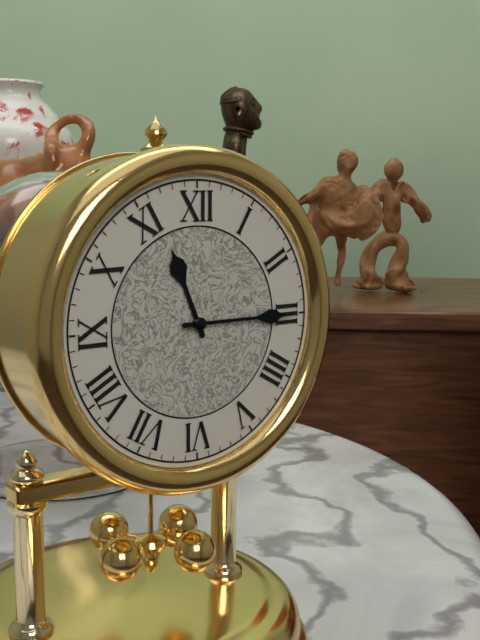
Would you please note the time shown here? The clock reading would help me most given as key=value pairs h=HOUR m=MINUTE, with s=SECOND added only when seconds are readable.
h=11 m=15
